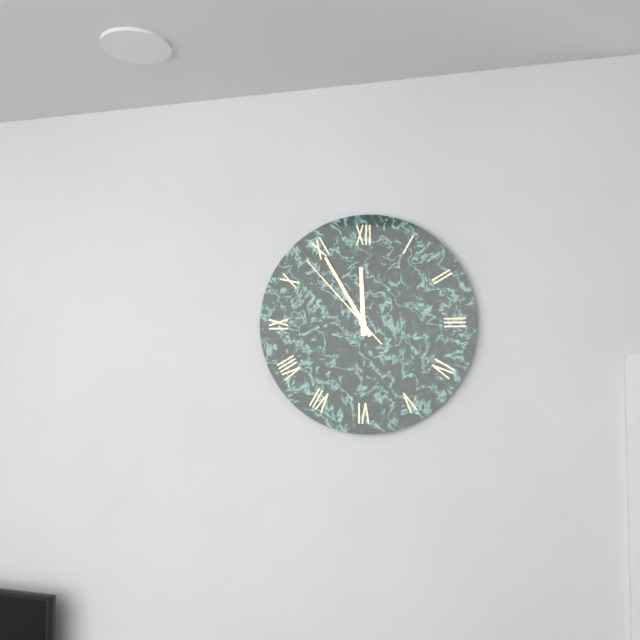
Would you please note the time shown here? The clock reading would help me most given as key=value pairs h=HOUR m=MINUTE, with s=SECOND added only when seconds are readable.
h=11 m=55 s=53
